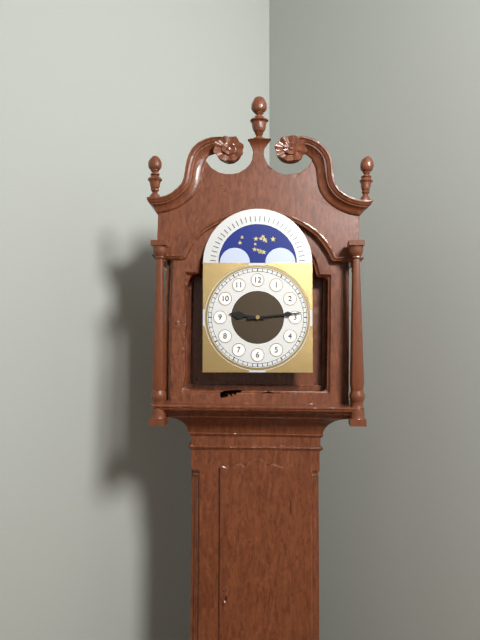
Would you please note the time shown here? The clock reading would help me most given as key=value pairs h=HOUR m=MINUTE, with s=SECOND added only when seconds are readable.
h=9 m=14
